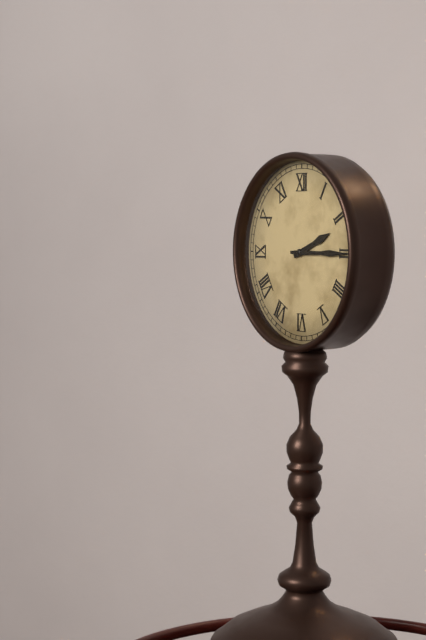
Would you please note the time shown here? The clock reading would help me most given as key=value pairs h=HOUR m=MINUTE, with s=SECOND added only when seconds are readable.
h=2 m=15
